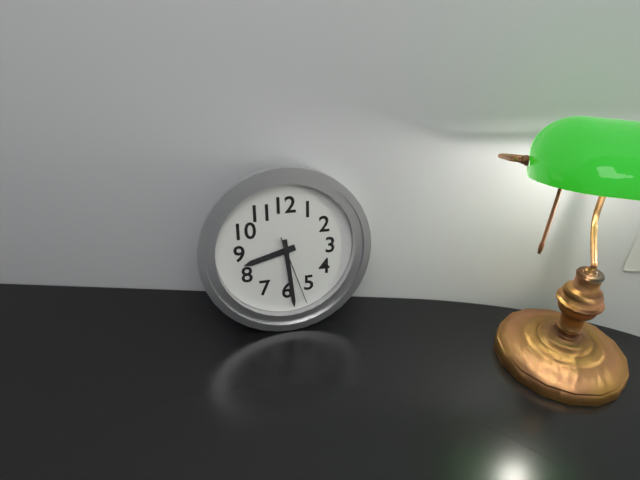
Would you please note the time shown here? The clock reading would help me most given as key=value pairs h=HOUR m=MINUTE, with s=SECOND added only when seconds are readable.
h=8 m=29 s=27
